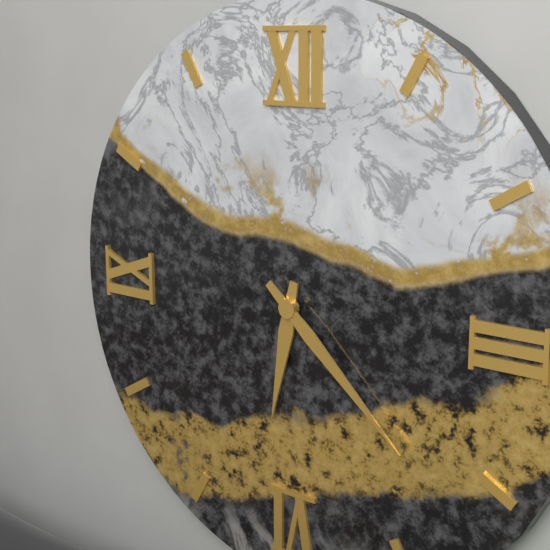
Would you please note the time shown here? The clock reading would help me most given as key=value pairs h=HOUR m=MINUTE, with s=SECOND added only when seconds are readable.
h=6 m=22
